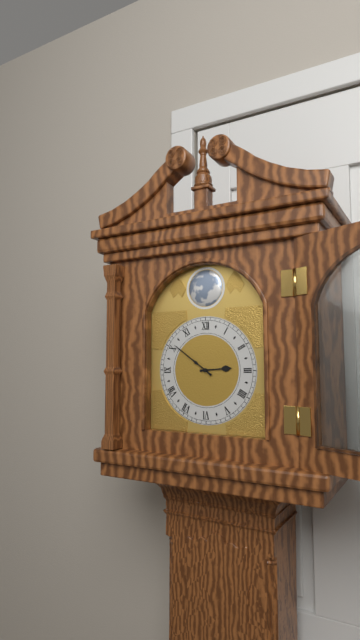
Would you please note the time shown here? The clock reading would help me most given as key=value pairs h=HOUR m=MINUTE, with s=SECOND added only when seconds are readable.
h=2 m=51
